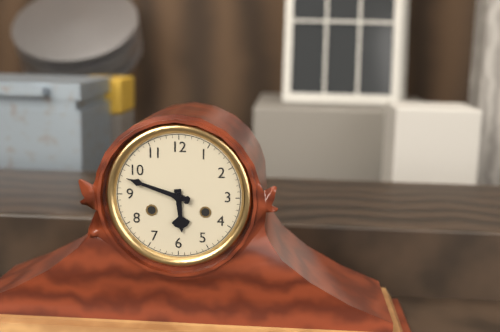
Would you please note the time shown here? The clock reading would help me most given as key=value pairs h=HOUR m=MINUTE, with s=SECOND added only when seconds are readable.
h=5 m=48
